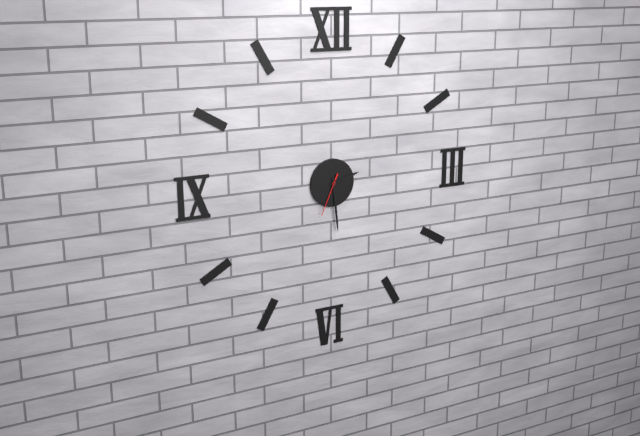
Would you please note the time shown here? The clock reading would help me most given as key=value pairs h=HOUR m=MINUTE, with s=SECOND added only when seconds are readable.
h=2 m=29
